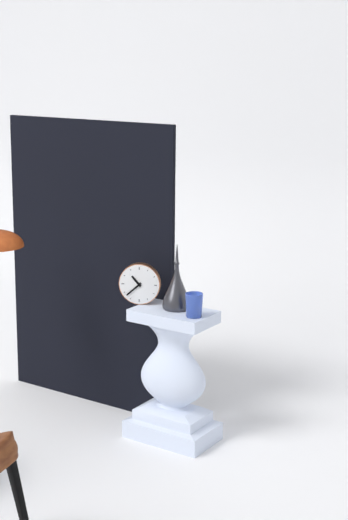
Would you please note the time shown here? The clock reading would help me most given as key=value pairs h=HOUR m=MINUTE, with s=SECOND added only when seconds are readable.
h=10 m=38
